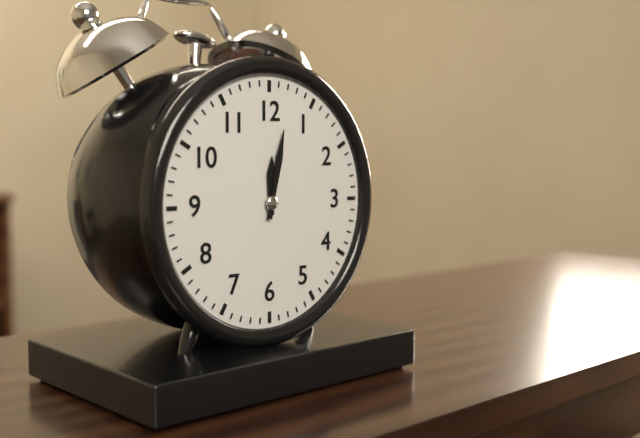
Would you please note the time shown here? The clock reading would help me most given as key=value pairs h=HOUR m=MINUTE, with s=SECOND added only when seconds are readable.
h=12 m=2
